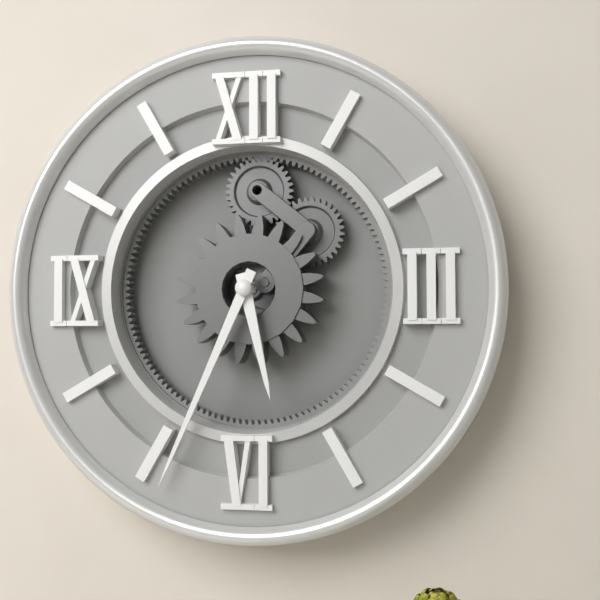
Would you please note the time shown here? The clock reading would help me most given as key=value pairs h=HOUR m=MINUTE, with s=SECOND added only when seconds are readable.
h=5 m=34
